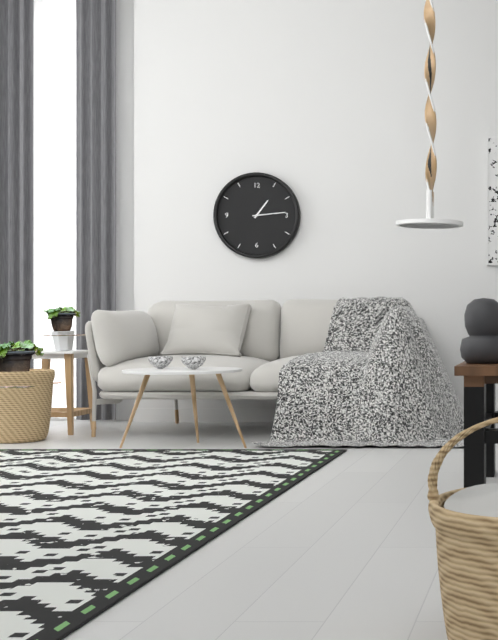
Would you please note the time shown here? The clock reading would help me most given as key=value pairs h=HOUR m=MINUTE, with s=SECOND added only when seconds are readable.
h=1 m=14
